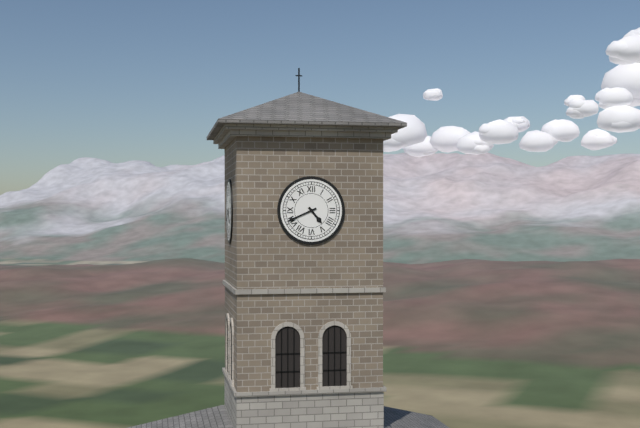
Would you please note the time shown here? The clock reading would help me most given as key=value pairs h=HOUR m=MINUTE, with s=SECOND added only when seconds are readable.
h=4 m=41
